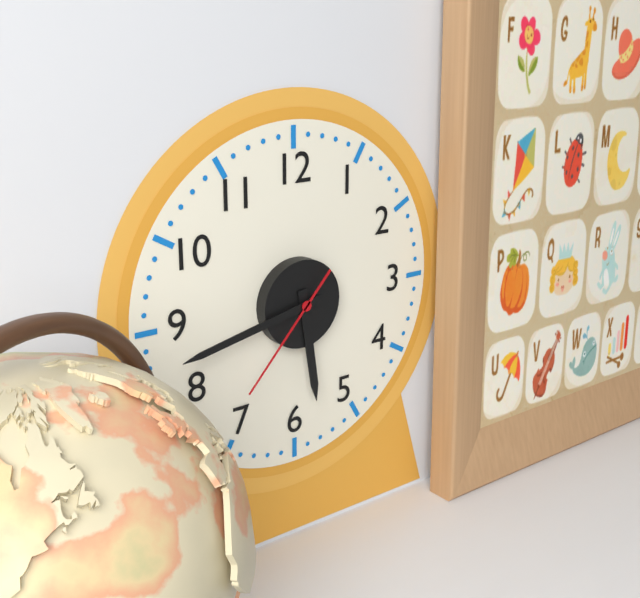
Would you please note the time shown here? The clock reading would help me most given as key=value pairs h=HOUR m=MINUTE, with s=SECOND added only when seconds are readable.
h=5 m=43 s=37
